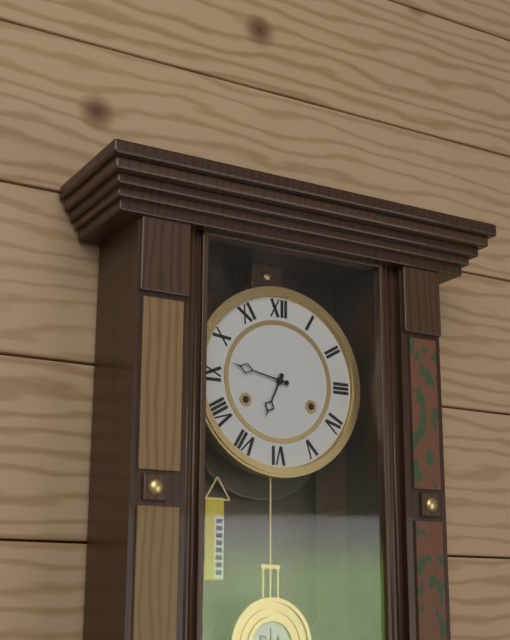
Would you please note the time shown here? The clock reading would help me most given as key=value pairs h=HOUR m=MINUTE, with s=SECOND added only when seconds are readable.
h=6 m=47
